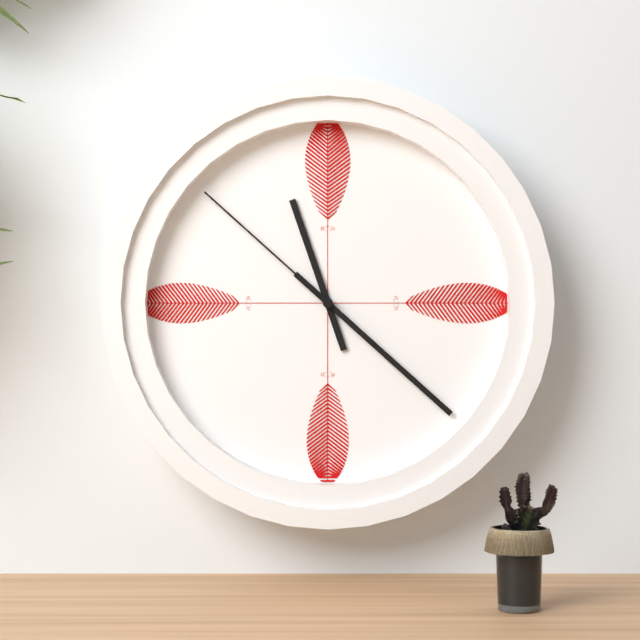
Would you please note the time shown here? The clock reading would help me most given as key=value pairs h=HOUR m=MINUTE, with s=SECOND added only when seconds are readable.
h=11 m=22 s=52
